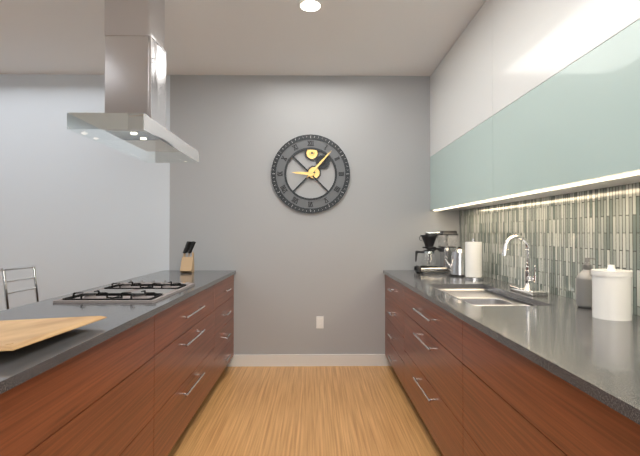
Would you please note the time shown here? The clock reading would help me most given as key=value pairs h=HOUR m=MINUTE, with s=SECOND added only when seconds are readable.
h=9 m=7
